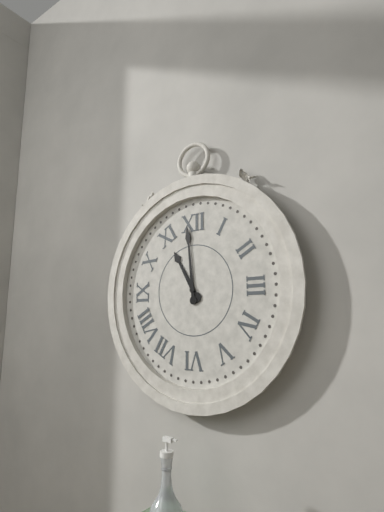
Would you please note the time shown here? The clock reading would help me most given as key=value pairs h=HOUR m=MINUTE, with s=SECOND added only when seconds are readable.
h=10 m=59
